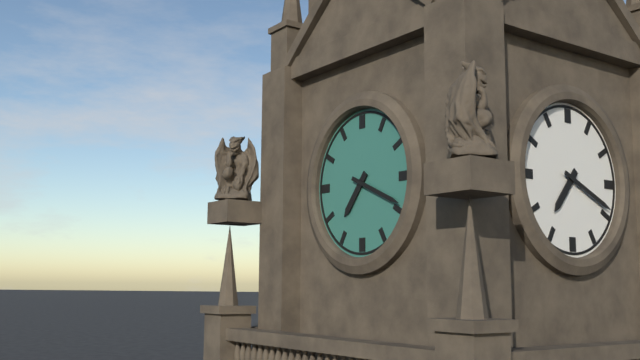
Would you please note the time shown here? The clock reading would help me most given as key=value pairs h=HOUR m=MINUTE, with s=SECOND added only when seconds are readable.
h=7 m=19
